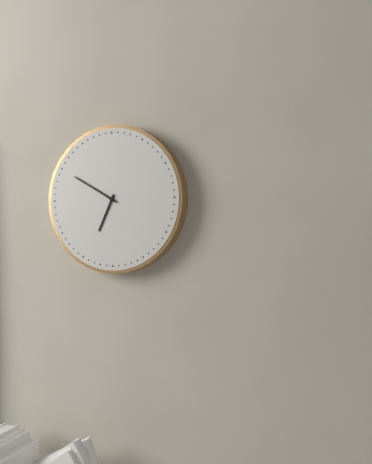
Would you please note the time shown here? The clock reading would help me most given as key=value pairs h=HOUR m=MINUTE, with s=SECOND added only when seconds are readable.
h=6 m=50
